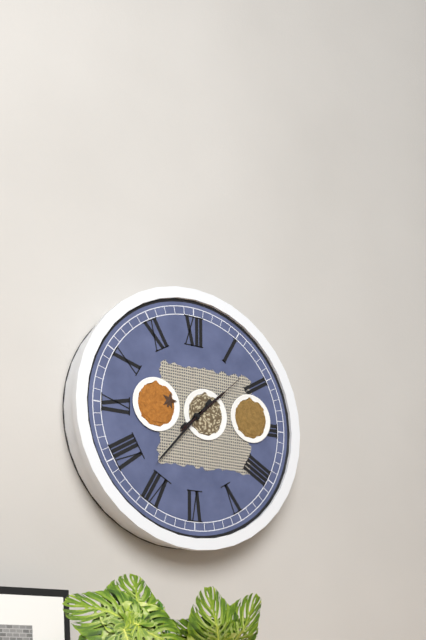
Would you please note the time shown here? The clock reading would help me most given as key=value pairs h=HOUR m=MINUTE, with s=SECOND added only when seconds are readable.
h=1 m=37 s=8
